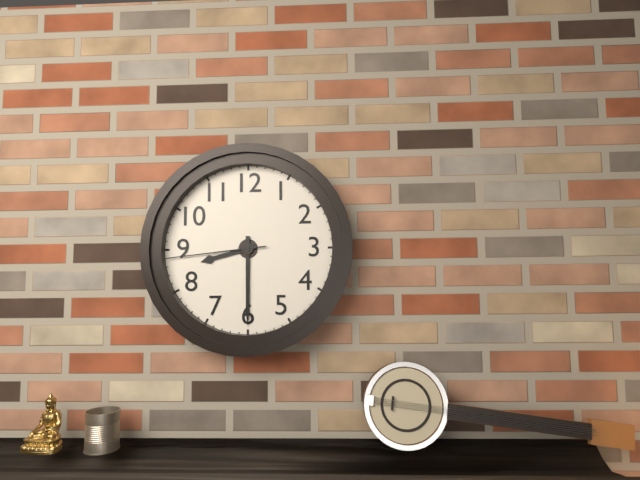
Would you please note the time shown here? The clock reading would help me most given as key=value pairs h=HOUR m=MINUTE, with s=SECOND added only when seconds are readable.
h=8 m=30 s=44
